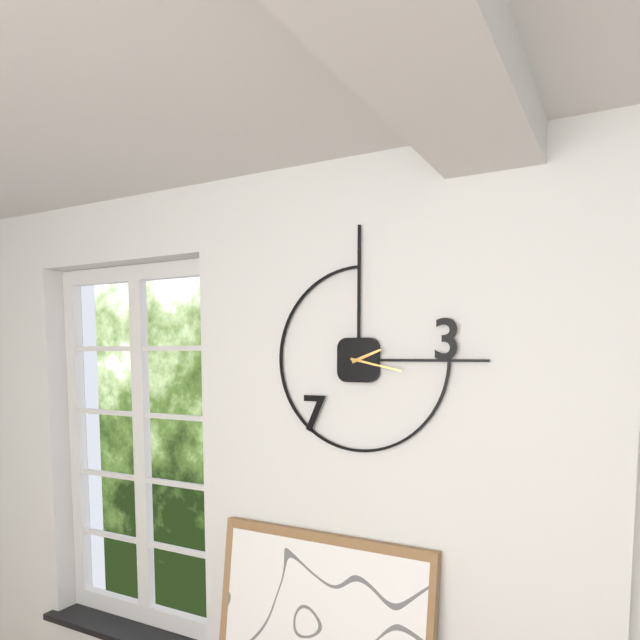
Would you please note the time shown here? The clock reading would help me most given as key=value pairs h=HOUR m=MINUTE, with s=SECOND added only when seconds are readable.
h=2 m=17
